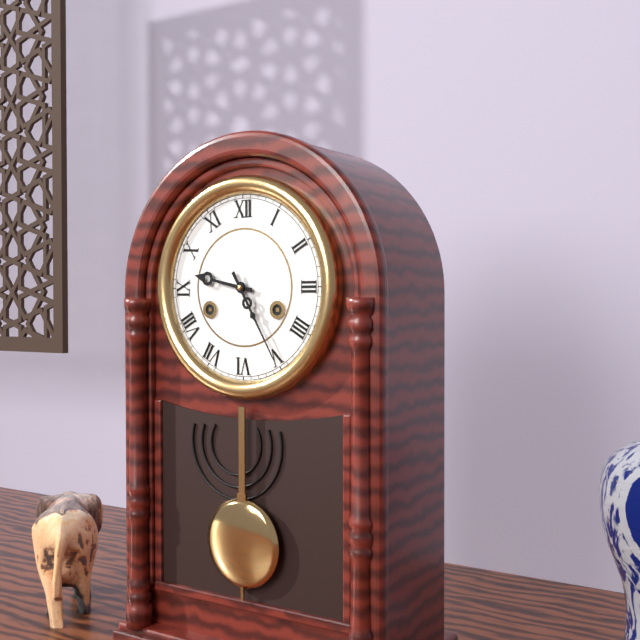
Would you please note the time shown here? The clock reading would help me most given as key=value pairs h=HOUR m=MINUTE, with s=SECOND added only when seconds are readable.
h=9 m=25
